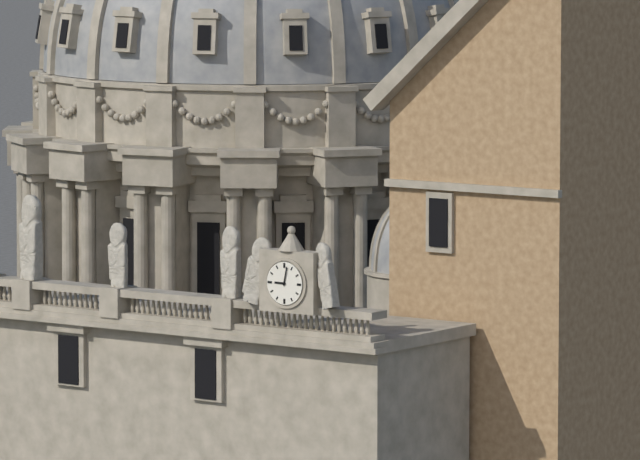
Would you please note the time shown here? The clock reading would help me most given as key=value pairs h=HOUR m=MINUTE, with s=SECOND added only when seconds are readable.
h=9 m=2
